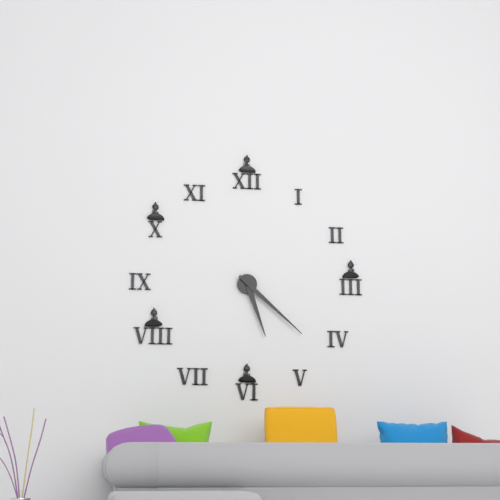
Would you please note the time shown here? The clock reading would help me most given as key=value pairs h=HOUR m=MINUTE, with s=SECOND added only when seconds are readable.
h=5 m=22
